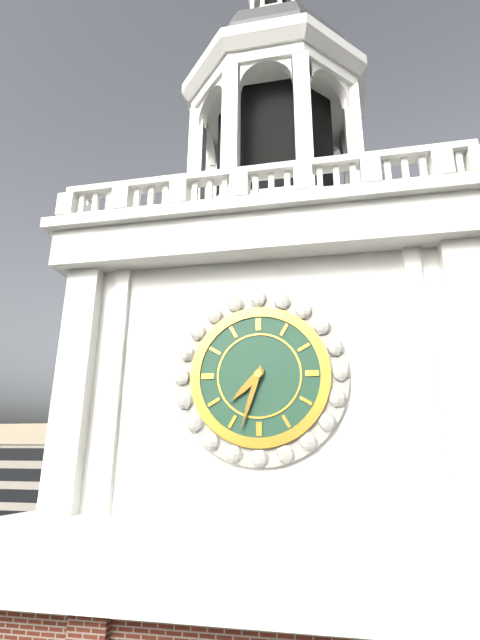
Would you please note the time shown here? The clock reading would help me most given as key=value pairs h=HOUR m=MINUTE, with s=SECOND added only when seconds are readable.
h=7 m=33
